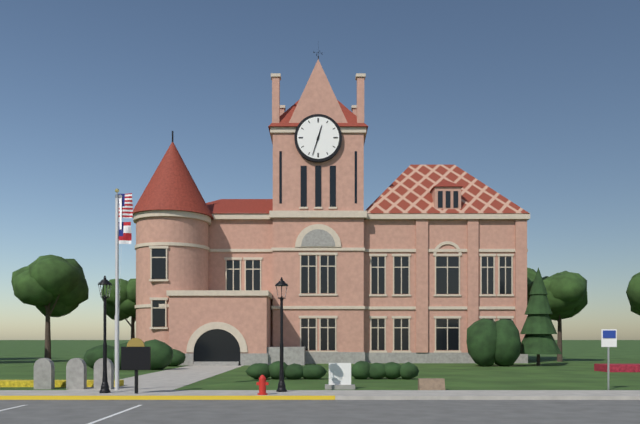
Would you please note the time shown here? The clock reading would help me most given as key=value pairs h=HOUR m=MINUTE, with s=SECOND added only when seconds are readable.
h=12 m=33
